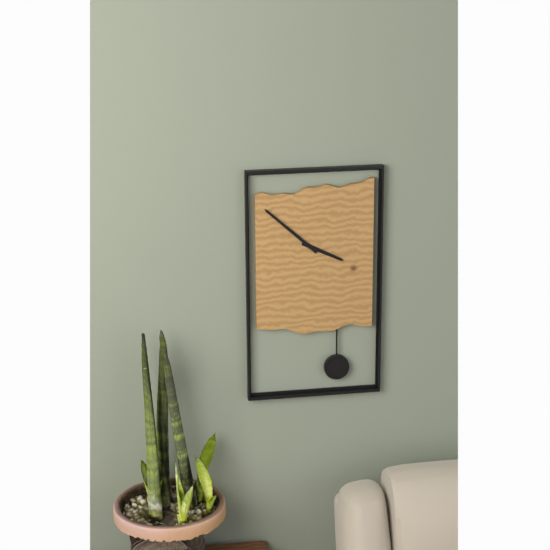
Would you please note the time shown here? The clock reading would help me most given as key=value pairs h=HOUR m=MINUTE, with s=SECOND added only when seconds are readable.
h=3 m=52
